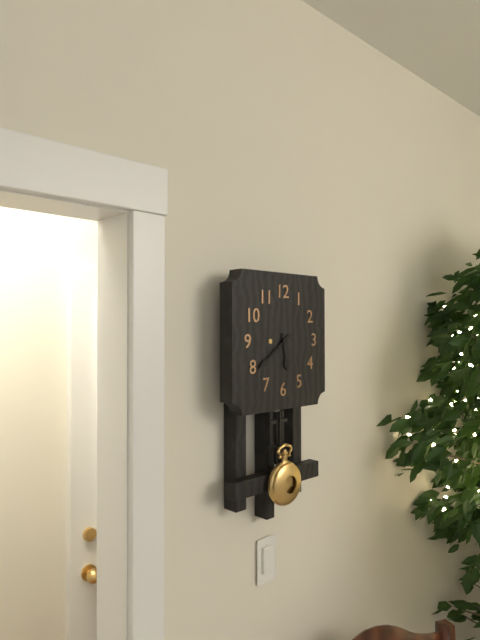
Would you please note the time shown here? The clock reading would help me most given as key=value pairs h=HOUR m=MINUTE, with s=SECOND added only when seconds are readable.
h=5 m=39
